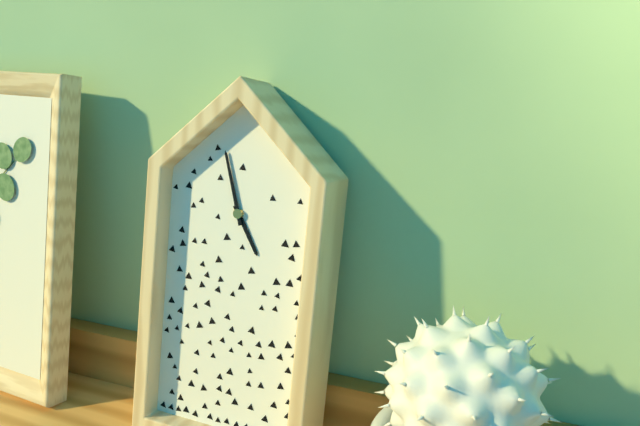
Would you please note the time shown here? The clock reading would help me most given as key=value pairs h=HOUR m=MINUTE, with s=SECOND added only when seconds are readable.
h=4 m=57
